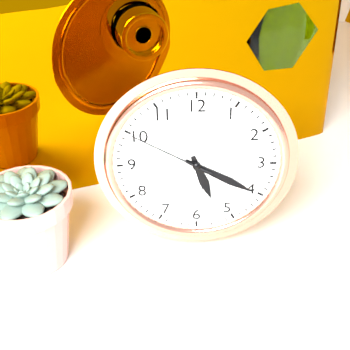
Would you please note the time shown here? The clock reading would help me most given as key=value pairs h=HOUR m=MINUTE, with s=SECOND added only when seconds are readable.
h=5 m=20 s=50
